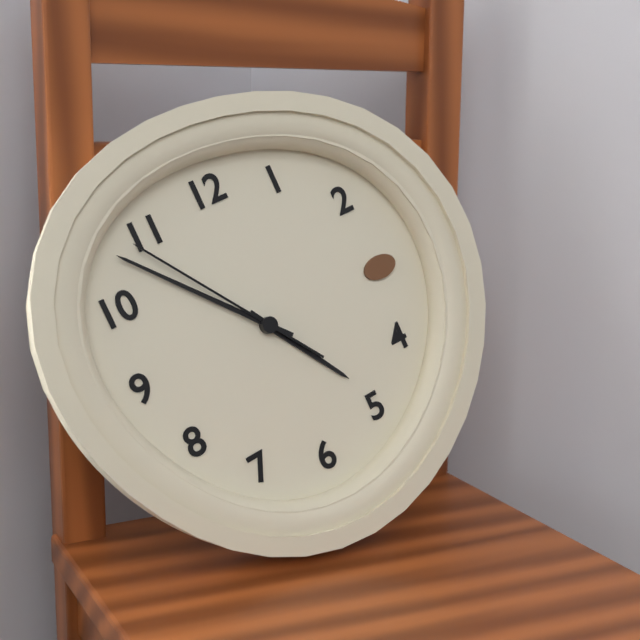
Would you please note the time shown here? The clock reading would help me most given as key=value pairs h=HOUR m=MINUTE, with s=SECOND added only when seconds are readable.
h=4 m=53 s=54
